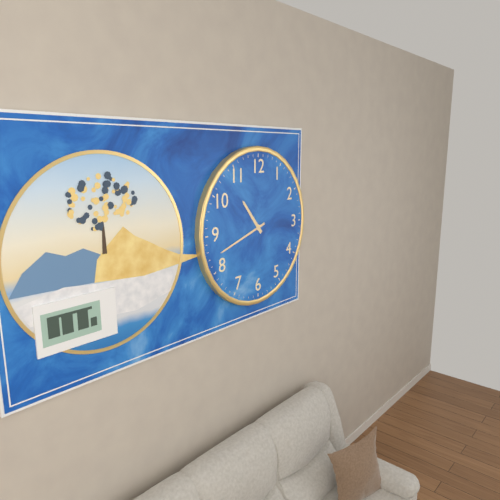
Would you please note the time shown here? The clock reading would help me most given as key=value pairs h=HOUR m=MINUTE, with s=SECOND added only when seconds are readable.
h=10 m=42
